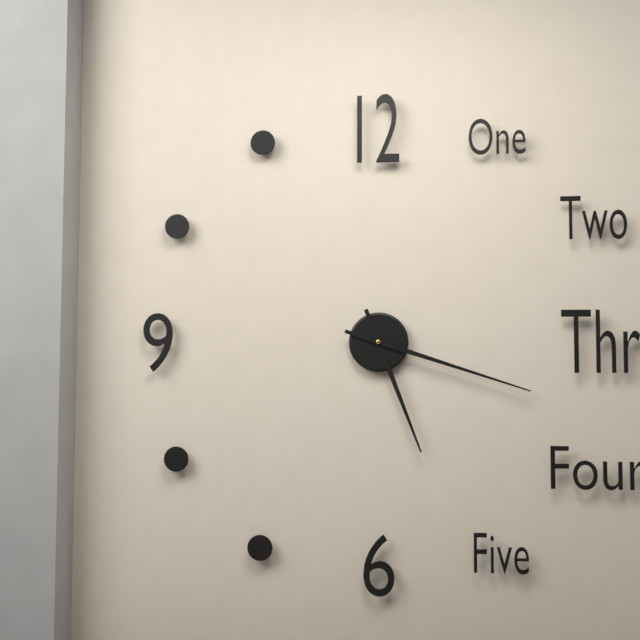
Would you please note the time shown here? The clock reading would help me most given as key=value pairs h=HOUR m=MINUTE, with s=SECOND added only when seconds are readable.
h=5 m=18
